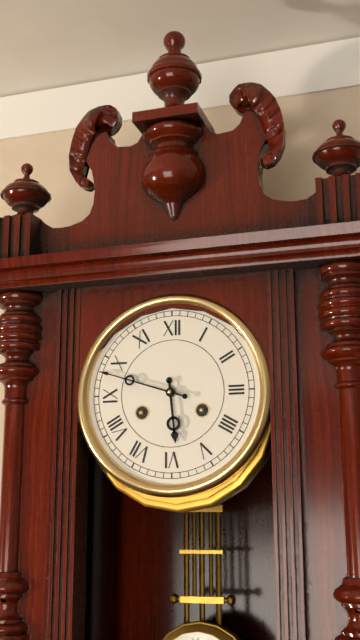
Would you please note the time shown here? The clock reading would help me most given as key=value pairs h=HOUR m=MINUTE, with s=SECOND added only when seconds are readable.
h=5 m=48
